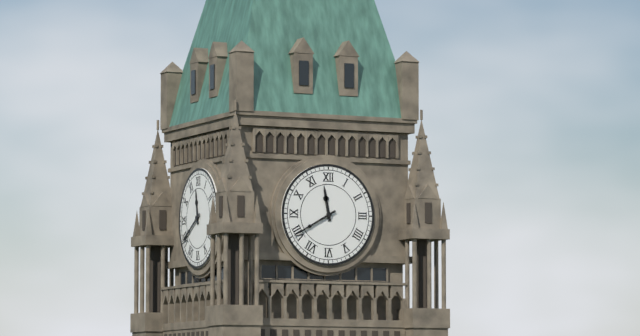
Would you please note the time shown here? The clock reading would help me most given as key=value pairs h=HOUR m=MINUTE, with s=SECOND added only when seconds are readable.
h=11 m=40
